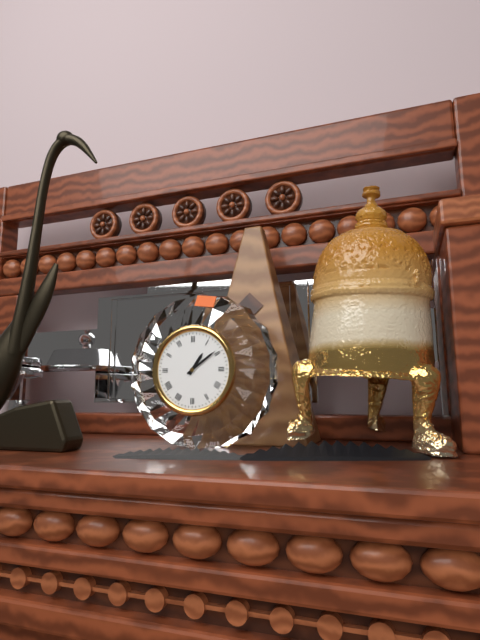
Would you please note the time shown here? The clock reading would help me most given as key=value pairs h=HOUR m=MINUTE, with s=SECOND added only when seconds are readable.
h=1 m=9
